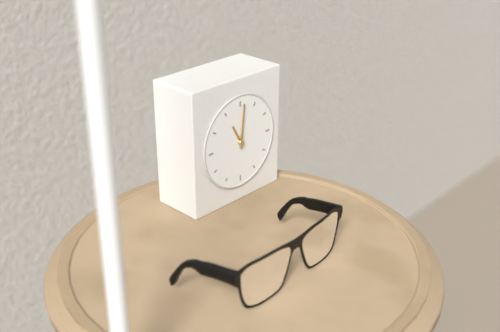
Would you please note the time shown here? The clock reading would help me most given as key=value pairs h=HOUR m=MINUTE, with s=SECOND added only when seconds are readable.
h=11 m=1
